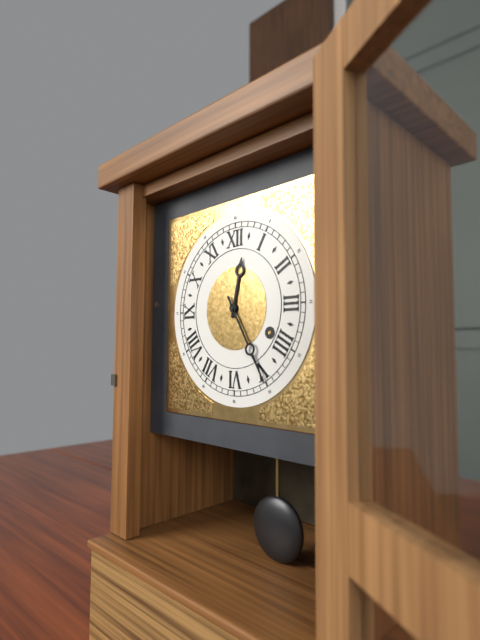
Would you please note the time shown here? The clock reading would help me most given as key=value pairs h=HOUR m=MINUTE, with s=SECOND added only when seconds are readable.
h=12 m=25
